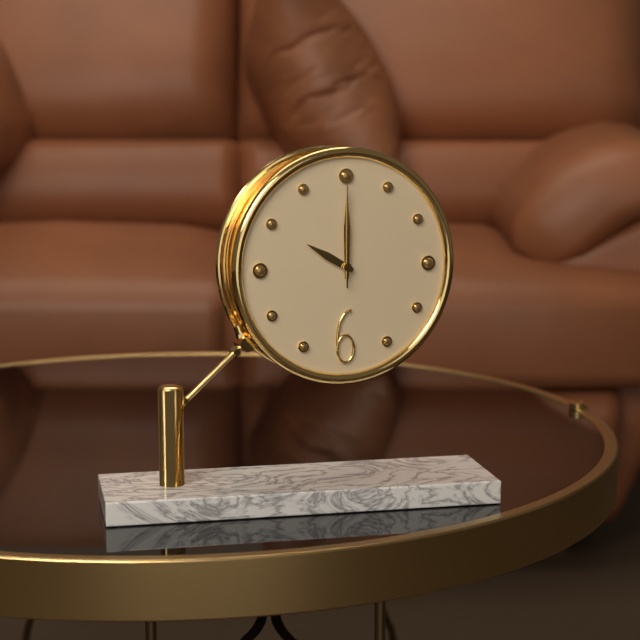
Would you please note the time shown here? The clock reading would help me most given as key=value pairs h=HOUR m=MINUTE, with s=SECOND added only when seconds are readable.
h=10 m=0 s=0
